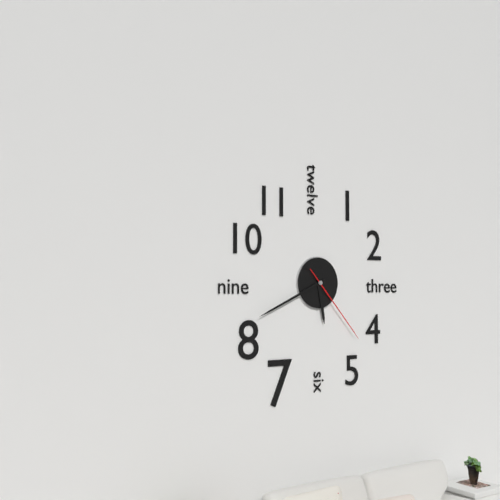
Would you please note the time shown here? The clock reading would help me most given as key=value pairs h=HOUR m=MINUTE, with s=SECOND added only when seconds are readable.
h=5 m=41 s=23
